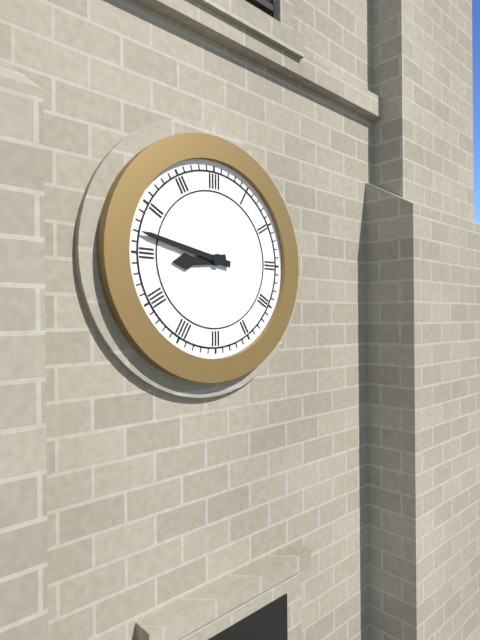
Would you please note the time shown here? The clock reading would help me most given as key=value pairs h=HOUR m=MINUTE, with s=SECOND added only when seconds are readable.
h=8 m=47
